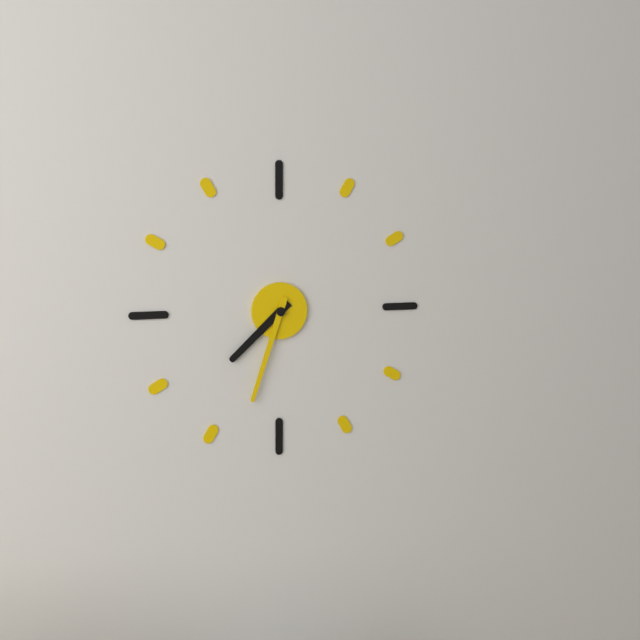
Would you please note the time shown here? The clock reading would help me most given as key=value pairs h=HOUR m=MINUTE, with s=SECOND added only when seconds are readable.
h=7 m=33
